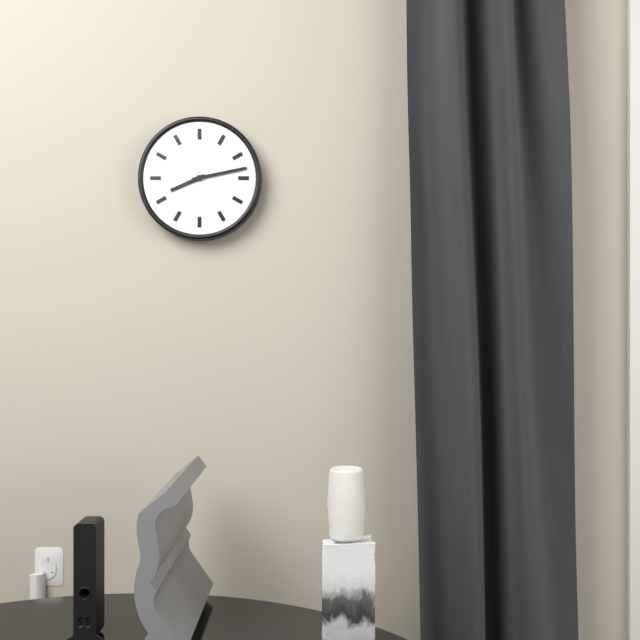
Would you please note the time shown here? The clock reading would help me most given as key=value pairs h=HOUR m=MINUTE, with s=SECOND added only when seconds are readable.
h=8 m=13
